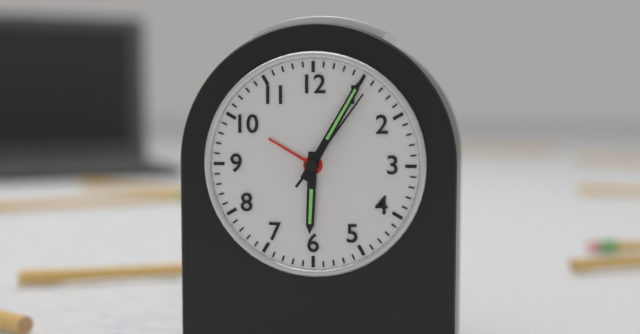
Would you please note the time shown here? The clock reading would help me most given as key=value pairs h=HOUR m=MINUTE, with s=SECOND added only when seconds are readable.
h=6 m=5 s=6
